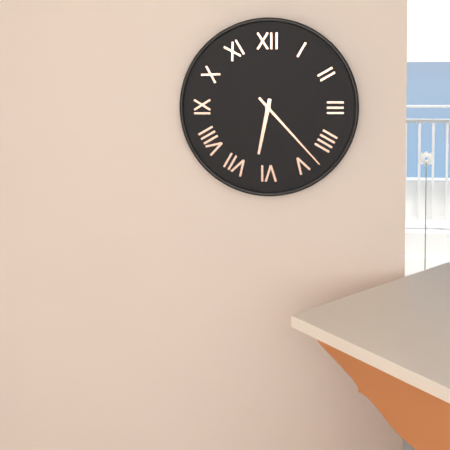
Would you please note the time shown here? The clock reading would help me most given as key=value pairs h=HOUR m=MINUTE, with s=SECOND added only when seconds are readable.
h=6 m=23
